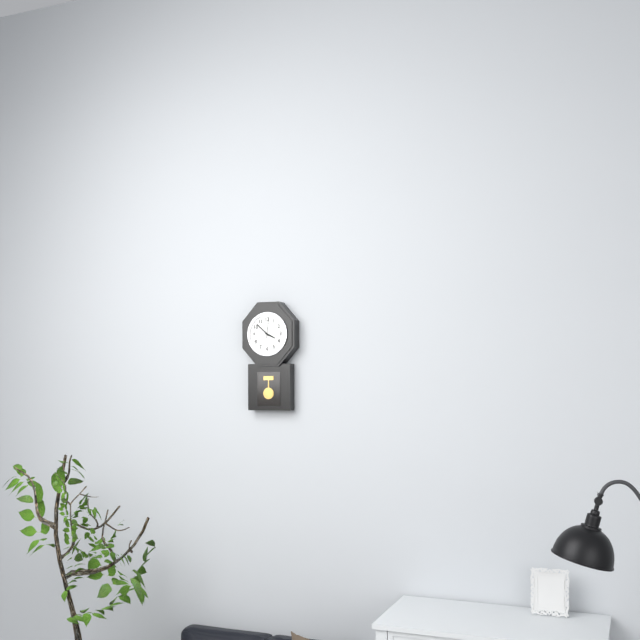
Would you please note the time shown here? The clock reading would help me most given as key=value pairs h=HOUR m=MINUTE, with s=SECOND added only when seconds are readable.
h=3 m=52
